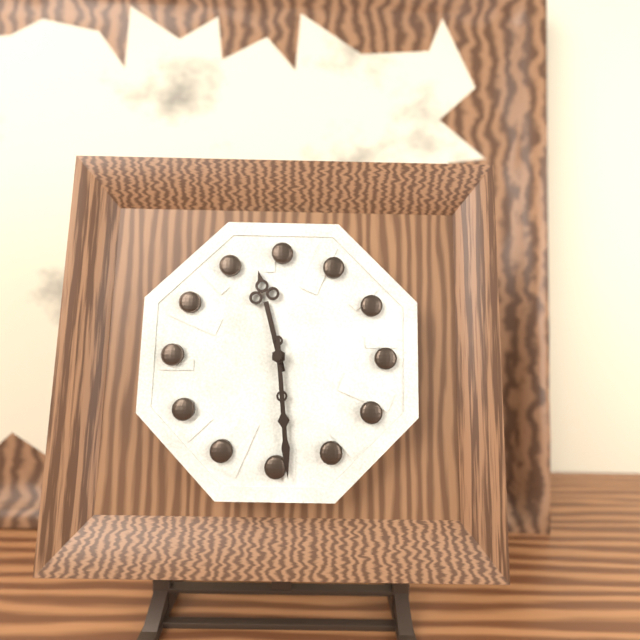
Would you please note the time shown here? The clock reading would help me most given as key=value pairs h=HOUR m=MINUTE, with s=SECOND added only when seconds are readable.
h=11 m=29
